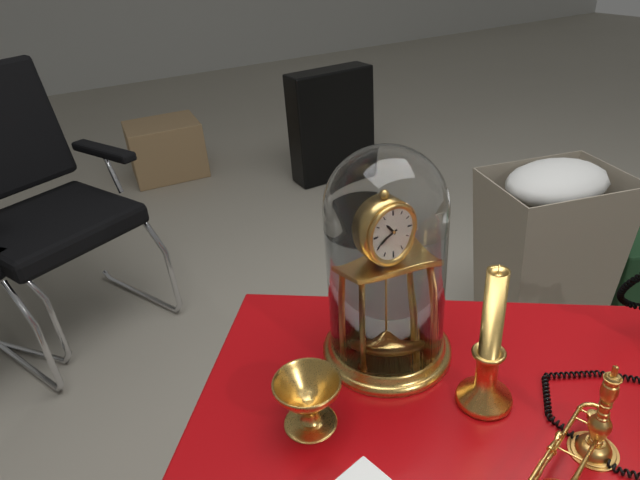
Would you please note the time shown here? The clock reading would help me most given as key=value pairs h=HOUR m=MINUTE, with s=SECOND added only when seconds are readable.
h=10 m=41
